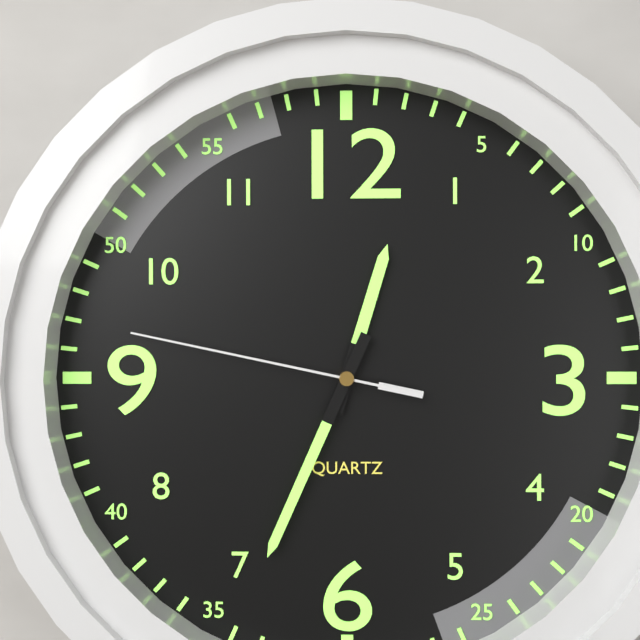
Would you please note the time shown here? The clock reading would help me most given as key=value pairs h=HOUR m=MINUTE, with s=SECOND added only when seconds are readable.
h=12 m=34 s=47
